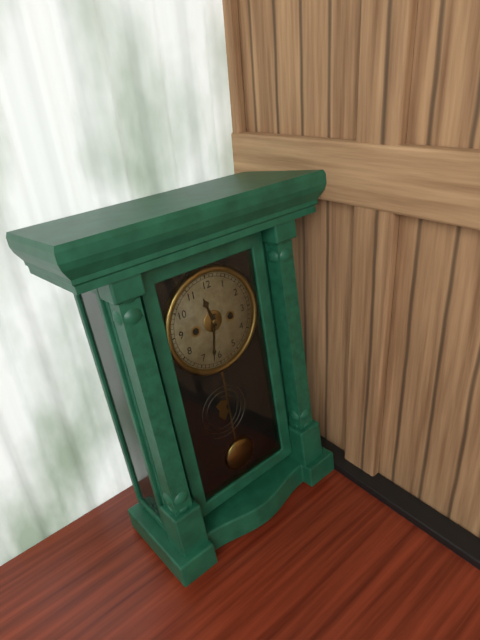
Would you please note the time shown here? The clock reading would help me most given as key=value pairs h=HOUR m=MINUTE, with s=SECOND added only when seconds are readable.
h=11 m=32
